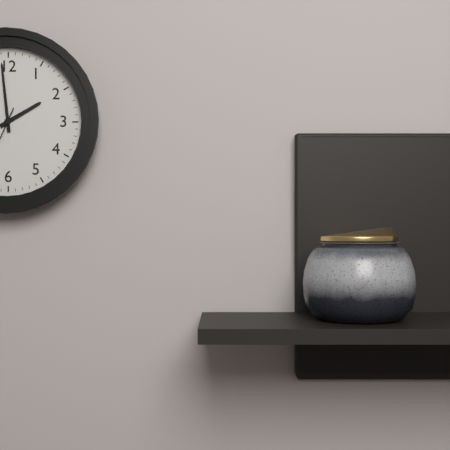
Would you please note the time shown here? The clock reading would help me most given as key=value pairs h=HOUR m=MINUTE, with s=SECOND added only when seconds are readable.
h=1 m=59
